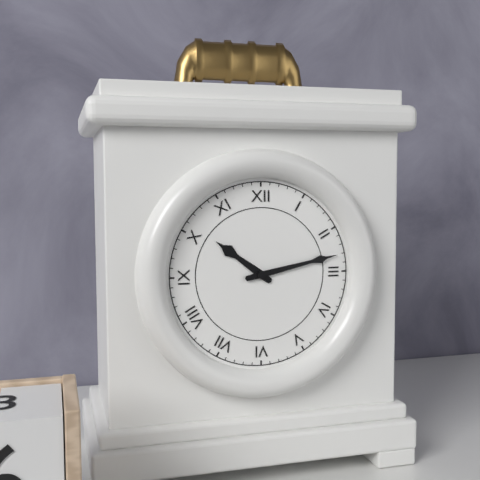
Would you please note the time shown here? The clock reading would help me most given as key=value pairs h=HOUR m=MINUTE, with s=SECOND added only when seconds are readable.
h=10 m=13
